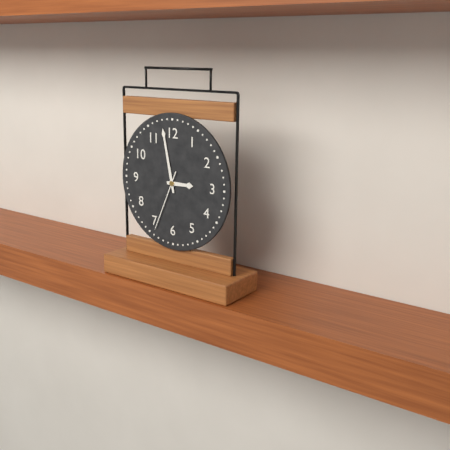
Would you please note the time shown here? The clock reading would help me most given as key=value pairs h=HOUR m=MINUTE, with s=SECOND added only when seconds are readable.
h=2 m=58 s=34
